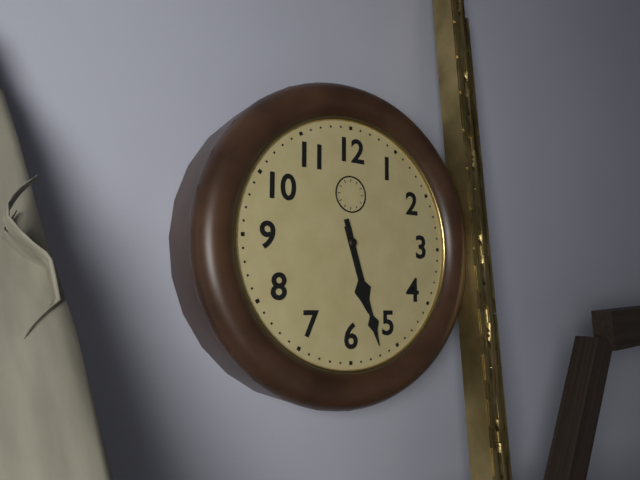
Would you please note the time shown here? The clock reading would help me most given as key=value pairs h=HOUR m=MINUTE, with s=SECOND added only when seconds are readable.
h=5 m=27
